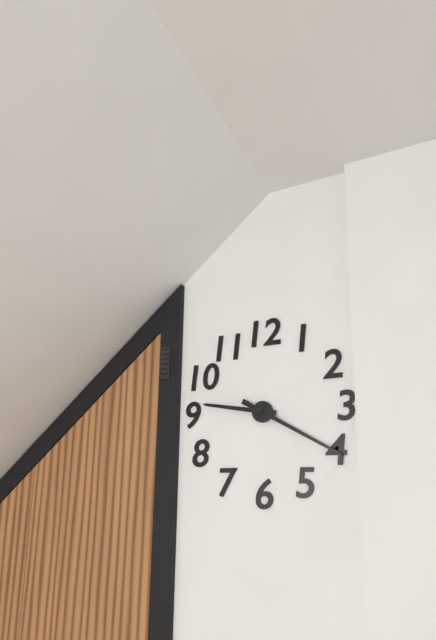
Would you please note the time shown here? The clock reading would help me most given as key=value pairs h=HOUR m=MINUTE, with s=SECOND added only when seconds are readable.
h=9 m=20
